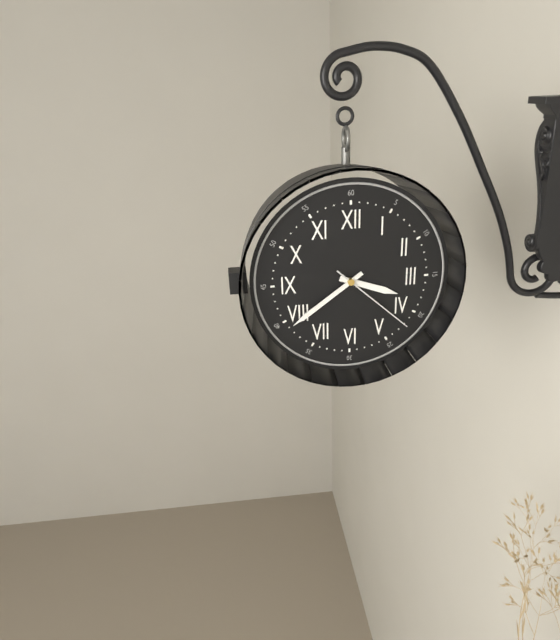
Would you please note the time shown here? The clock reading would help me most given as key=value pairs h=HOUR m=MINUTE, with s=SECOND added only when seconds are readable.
h=3 m=39 s=22
